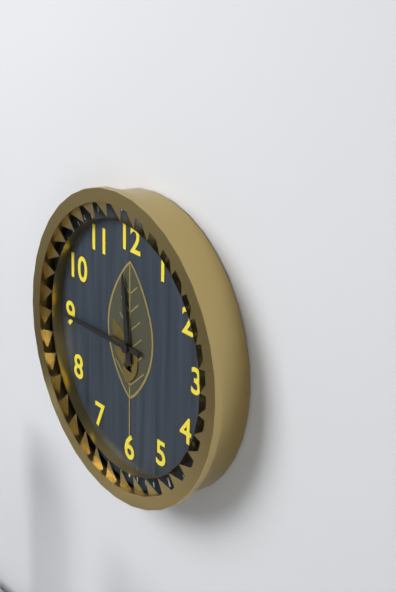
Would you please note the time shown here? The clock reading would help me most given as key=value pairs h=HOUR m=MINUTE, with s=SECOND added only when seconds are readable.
h=11 m=45
